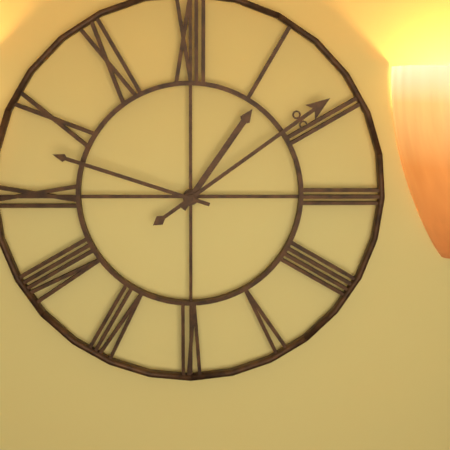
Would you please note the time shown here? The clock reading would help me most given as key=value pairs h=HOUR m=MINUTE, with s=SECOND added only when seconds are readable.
h=1 m=9 s=48
